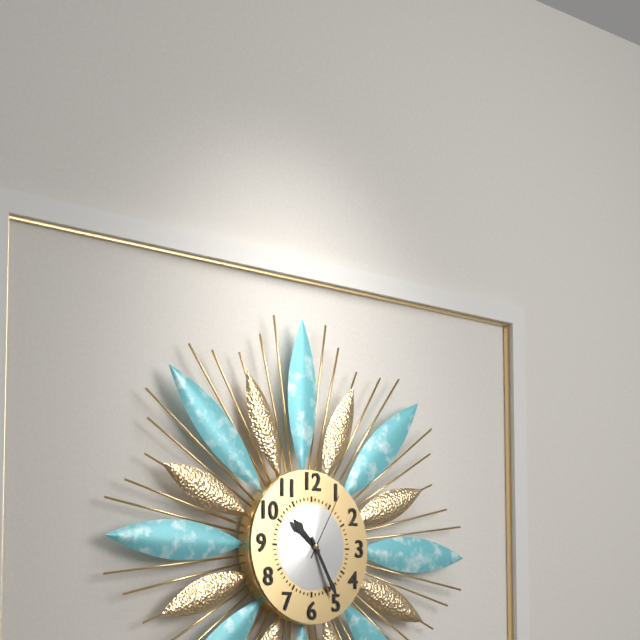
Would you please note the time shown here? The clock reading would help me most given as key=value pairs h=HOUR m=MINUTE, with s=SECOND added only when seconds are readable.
h=10 m=25 s=5
